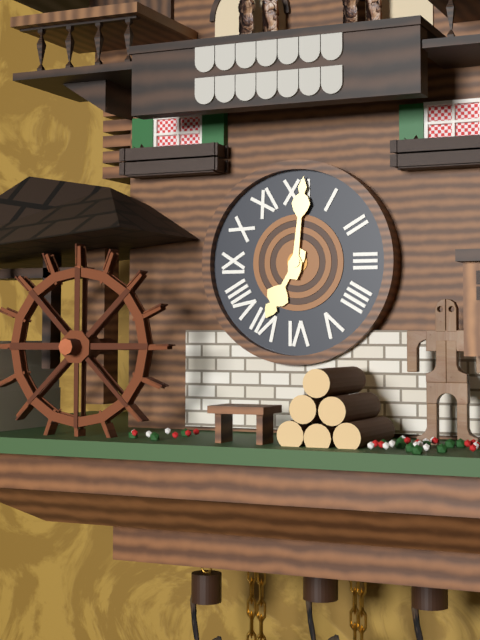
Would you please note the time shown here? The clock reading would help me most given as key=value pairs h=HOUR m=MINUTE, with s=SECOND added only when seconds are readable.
h=7 m=1
